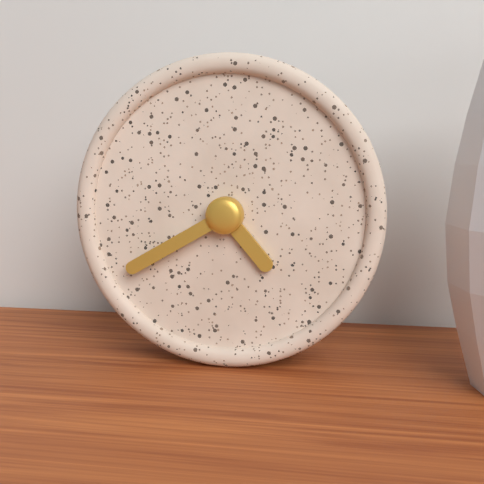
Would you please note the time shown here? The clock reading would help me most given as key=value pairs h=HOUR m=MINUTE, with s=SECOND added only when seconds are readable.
h=4 m=40
